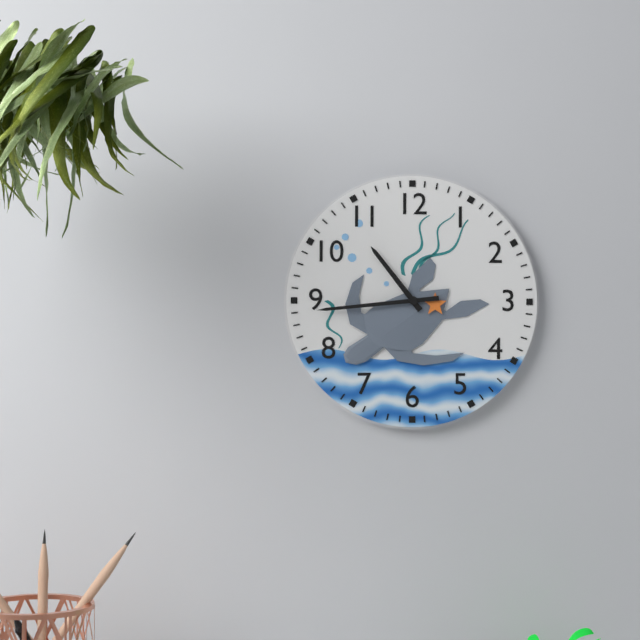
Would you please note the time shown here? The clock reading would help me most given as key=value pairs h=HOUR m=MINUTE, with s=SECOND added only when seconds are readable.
h=10 m=44
